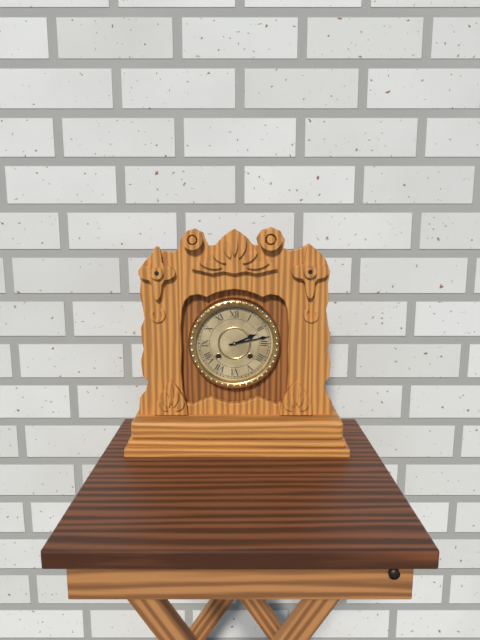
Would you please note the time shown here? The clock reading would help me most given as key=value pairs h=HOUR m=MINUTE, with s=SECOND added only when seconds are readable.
h=2 m=13
